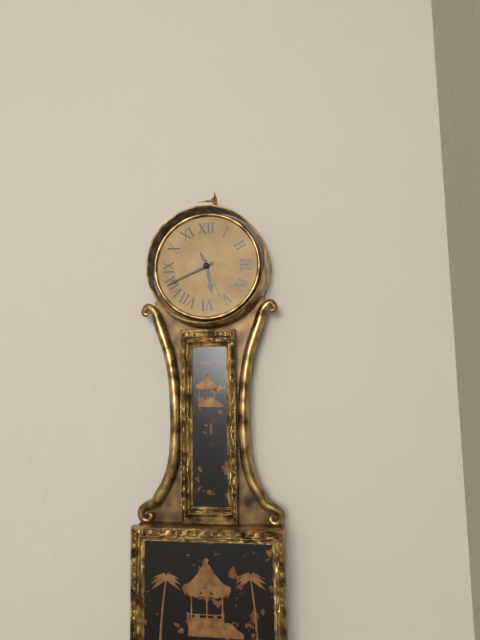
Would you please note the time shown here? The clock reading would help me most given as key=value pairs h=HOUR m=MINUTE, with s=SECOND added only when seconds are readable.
h=5 m=41
